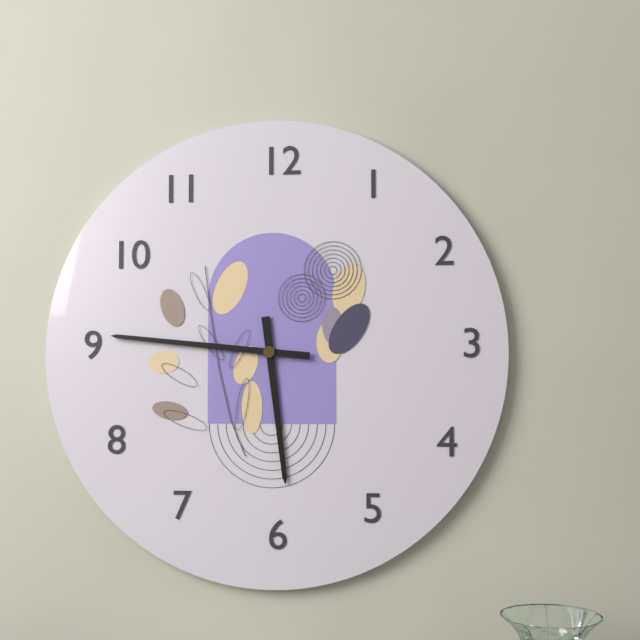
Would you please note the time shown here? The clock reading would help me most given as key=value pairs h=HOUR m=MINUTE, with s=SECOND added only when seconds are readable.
h=5 m=46
